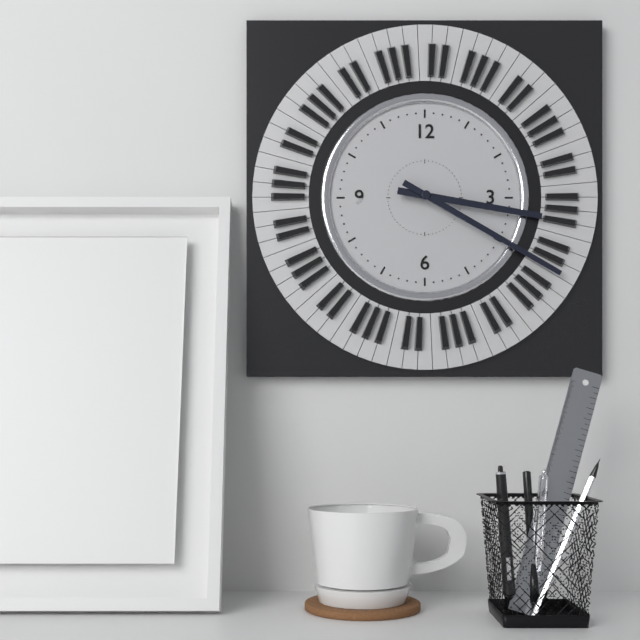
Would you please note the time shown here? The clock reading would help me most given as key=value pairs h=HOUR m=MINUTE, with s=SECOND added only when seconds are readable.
h=3 m=20
